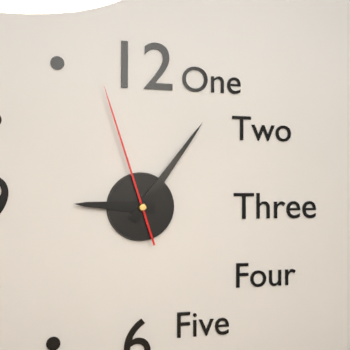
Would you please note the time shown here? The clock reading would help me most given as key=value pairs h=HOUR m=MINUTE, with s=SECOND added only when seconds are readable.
h=9 m=6 s=57
